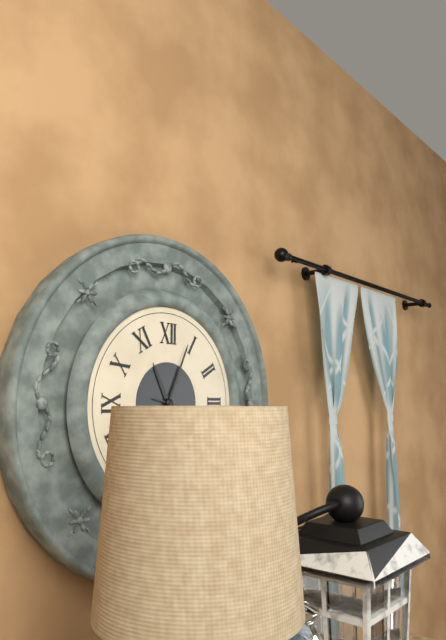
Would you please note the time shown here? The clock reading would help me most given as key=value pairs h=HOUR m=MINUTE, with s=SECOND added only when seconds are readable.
h=11 m=4
